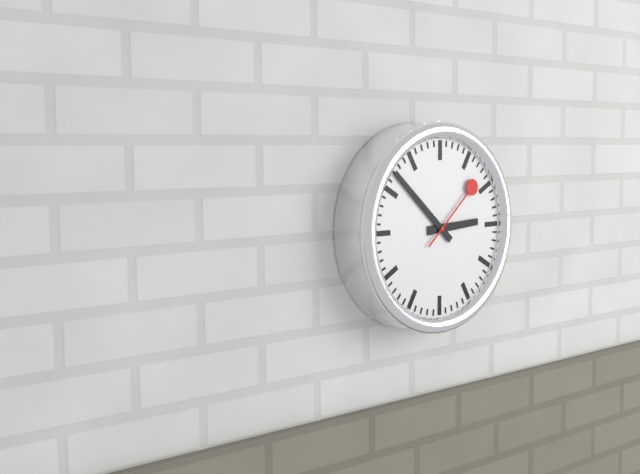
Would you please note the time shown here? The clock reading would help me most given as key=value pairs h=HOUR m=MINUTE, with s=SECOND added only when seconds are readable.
h=2 m=52 s=8
